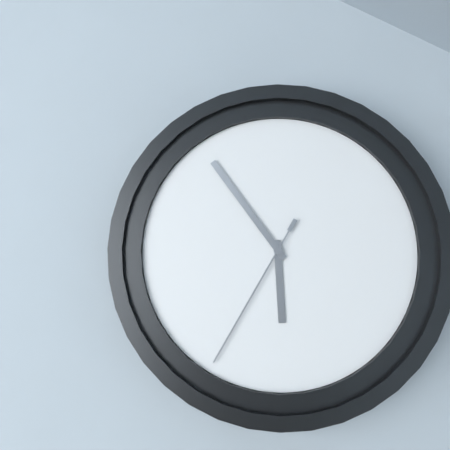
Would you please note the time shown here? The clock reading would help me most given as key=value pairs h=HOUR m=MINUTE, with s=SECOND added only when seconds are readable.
h=5 m=54 s=35
